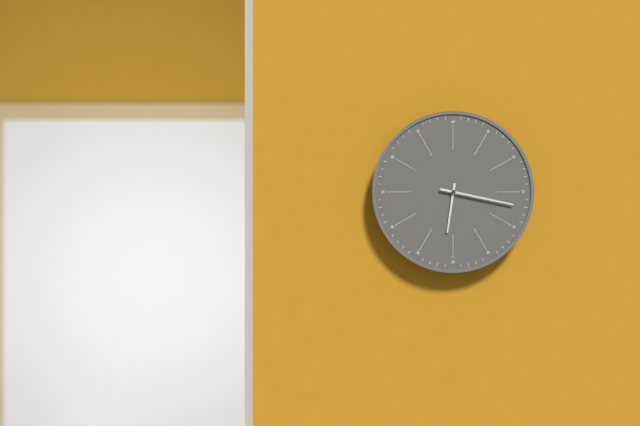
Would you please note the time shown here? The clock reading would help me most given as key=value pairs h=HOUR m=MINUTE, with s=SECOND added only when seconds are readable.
h=6 m=17
